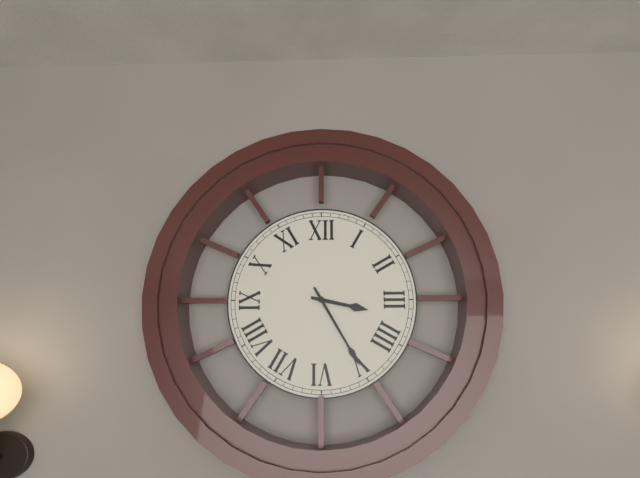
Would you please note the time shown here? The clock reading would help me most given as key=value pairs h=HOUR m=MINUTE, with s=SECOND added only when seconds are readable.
h=3 m=25
